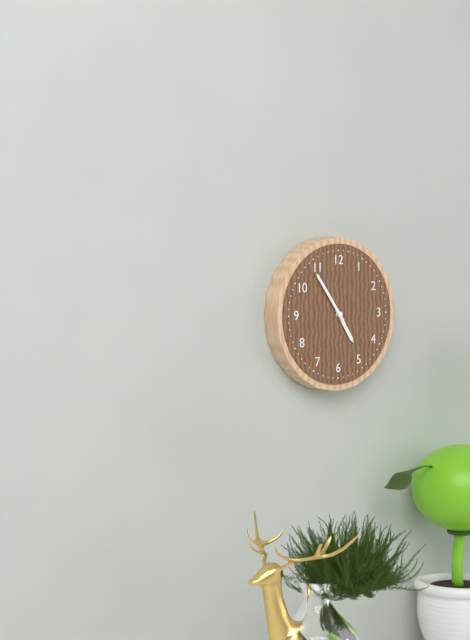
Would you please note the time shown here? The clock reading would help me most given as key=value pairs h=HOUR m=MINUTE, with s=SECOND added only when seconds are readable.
h=4 m=54
